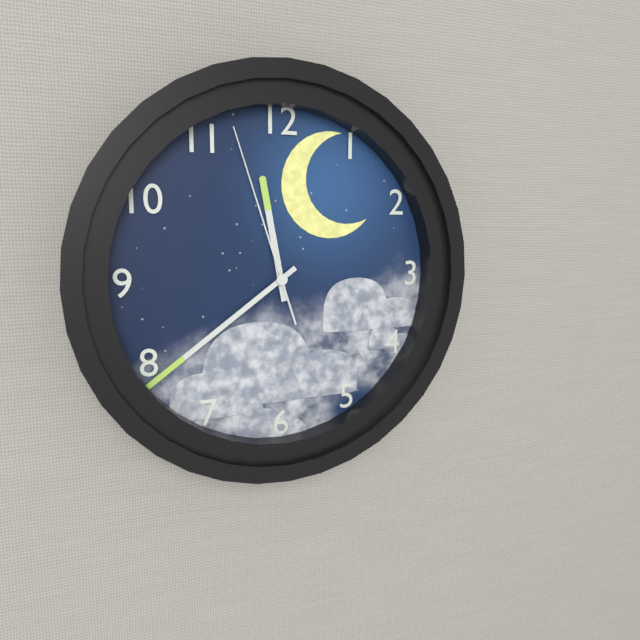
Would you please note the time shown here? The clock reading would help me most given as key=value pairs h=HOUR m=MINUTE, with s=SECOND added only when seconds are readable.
h=11 m=39 s=57
